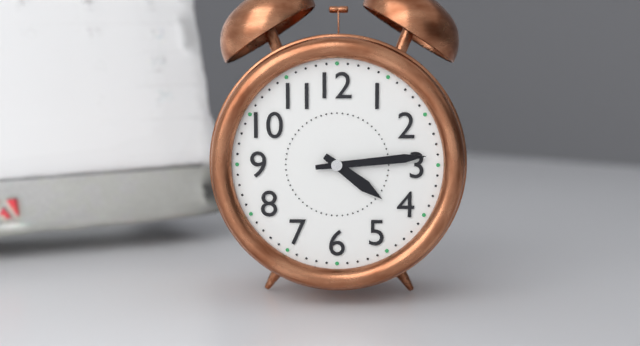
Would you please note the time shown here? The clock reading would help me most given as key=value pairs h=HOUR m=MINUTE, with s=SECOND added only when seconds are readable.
h=4 m=14
